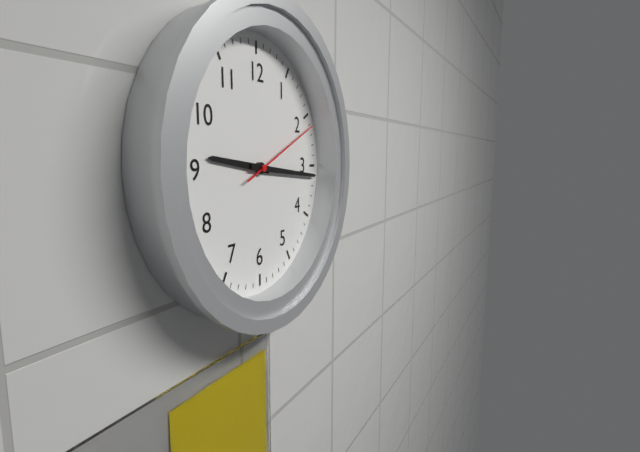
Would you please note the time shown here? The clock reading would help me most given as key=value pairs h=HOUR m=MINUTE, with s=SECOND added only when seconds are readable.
h=9 m=16 s=11
